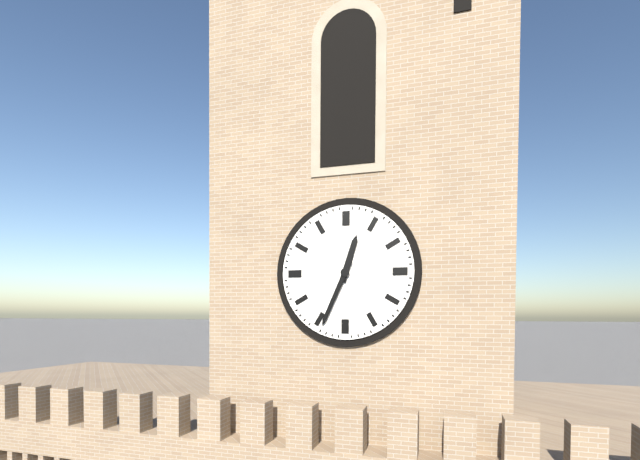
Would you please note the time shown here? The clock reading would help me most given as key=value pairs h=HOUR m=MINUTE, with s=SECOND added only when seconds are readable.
h=12 m=34
